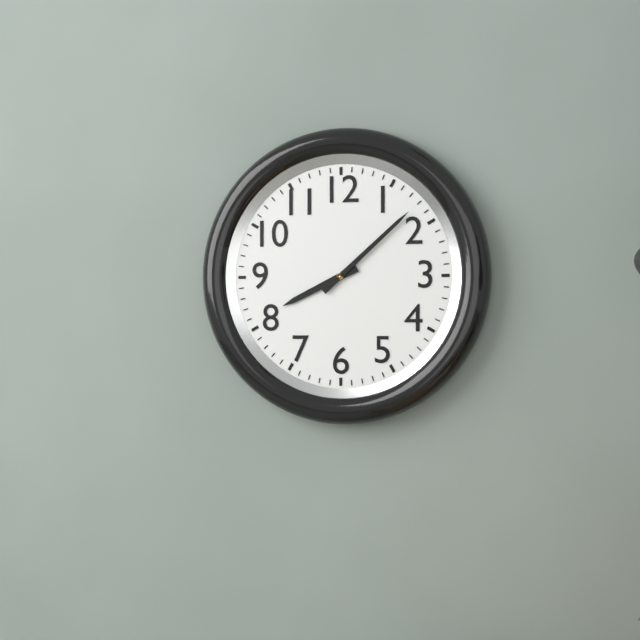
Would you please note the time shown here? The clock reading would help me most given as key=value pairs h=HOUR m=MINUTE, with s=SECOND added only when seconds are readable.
h=8 m=8
